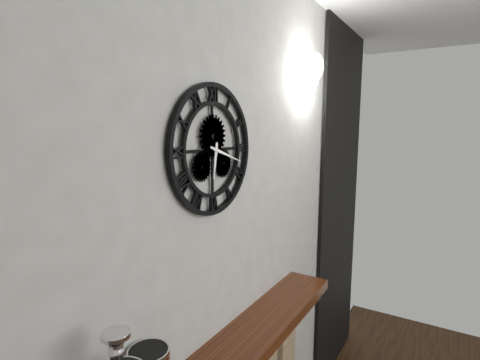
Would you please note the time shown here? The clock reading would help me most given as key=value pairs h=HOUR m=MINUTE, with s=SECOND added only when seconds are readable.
h=6 m=18
